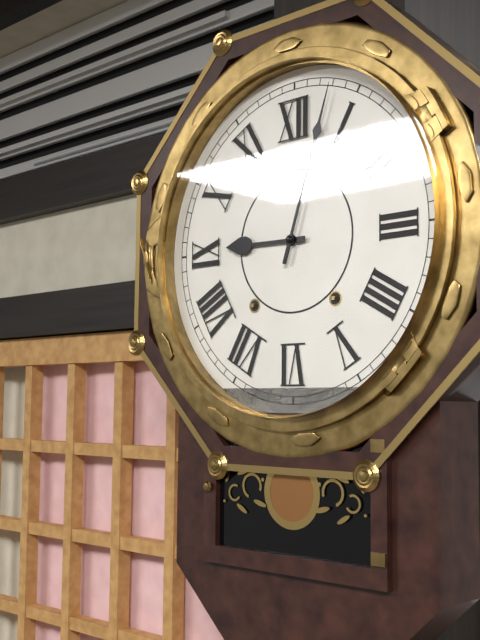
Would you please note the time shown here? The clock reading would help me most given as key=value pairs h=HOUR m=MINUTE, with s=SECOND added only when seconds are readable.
h=9 m=3
